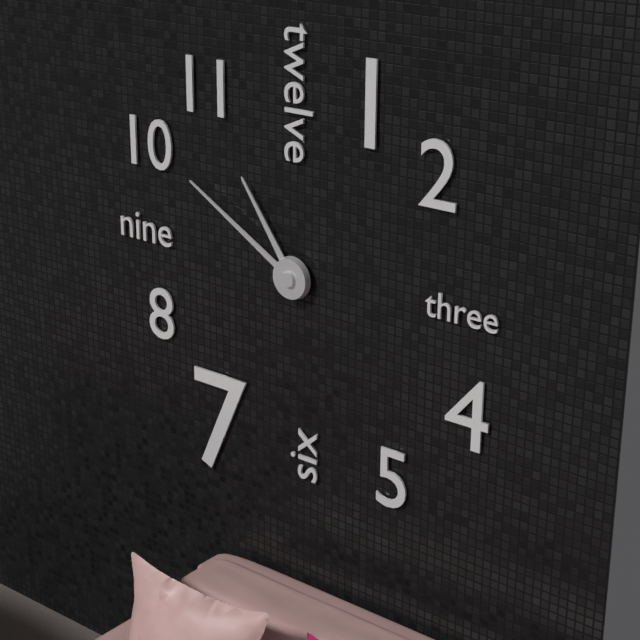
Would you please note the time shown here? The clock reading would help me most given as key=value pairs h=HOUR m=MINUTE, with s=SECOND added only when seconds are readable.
h=10 m=50
